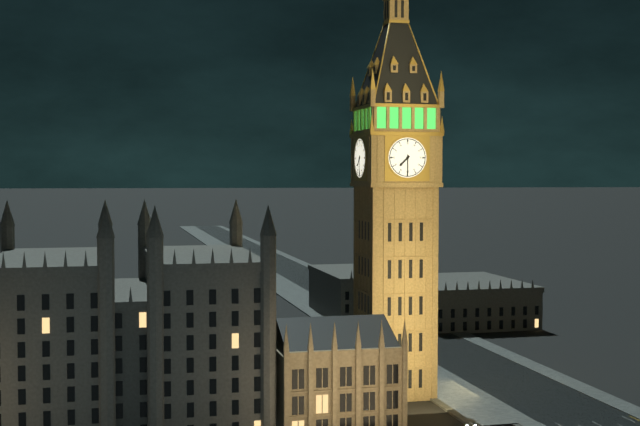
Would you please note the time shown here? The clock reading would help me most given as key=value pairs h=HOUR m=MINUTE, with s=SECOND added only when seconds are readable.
h=7 m=30
